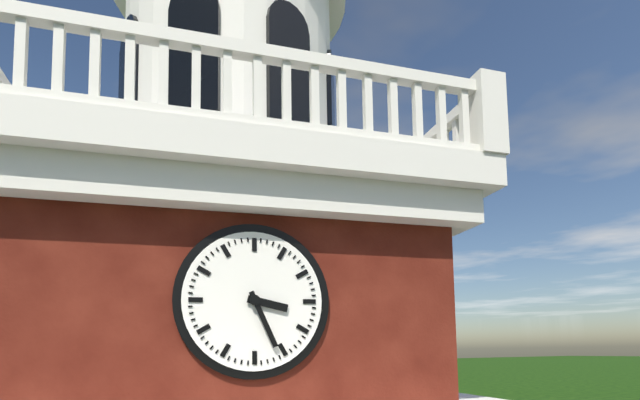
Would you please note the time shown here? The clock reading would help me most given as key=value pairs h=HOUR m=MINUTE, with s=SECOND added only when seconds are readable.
h=3 m=26
